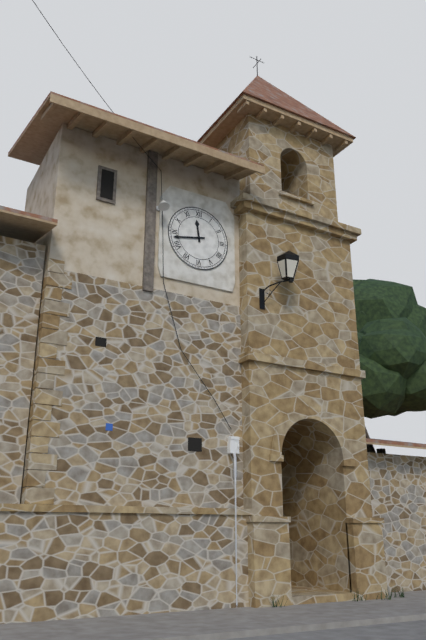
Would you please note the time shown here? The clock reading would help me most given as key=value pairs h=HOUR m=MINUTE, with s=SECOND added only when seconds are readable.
h=11 m=43
